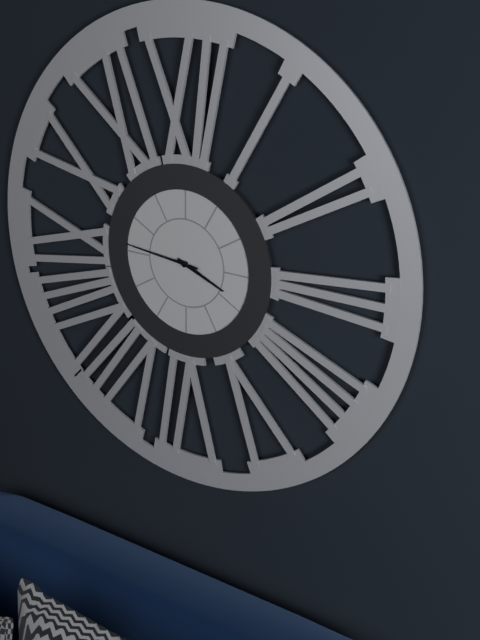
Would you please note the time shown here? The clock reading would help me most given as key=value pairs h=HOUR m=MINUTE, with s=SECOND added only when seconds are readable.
h=3 m=46
